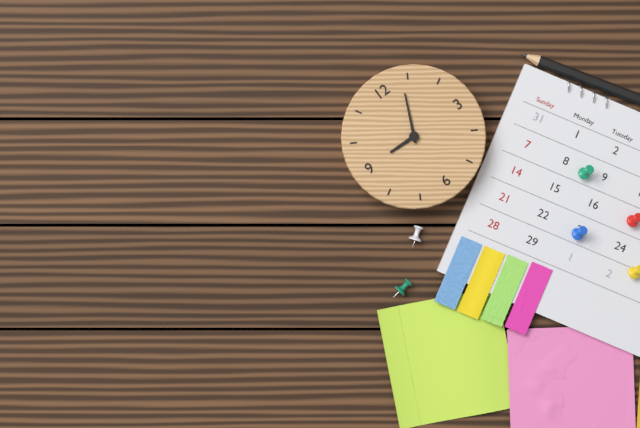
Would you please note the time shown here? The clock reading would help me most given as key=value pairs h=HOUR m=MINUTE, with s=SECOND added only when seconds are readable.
h=9 m=4
